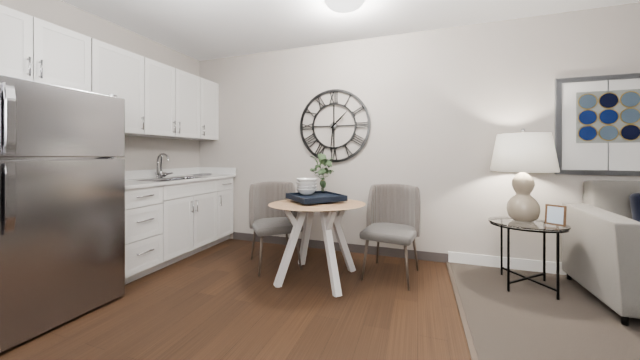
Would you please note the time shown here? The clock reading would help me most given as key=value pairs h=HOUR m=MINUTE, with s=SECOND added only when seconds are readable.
h=1 m=31
